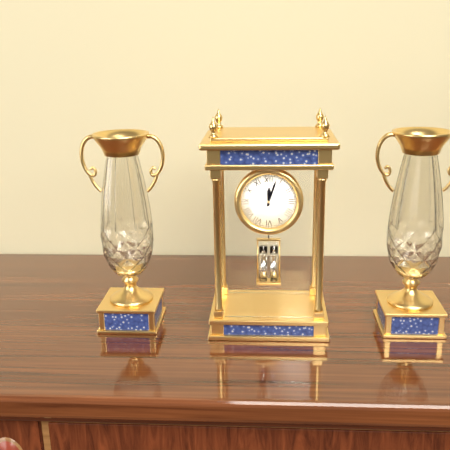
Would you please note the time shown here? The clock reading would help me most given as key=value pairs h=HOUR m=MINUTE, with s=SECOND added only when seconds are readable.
h=12 m=3
